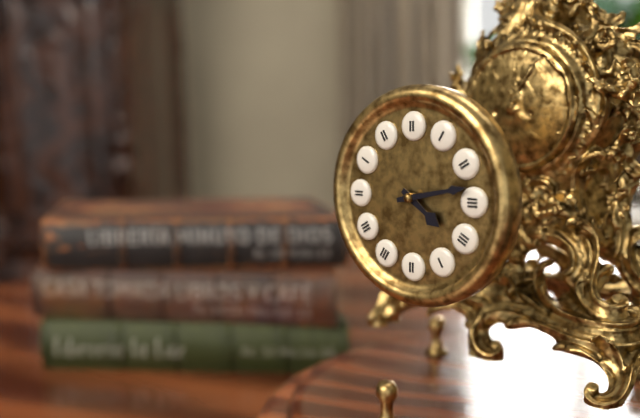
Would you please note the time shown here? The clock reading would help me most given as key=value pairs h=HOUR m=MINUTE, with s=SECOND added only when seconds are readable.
h=4 m=13
